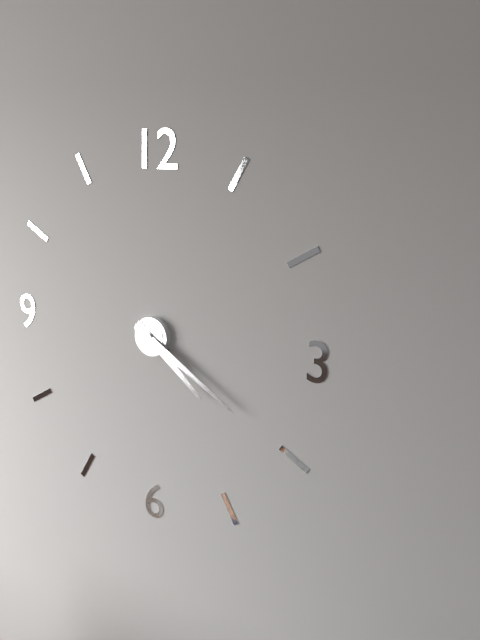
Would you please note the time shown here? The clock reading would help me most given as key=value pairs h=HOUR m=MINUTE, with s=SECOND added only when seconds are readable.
h=4 m=20
